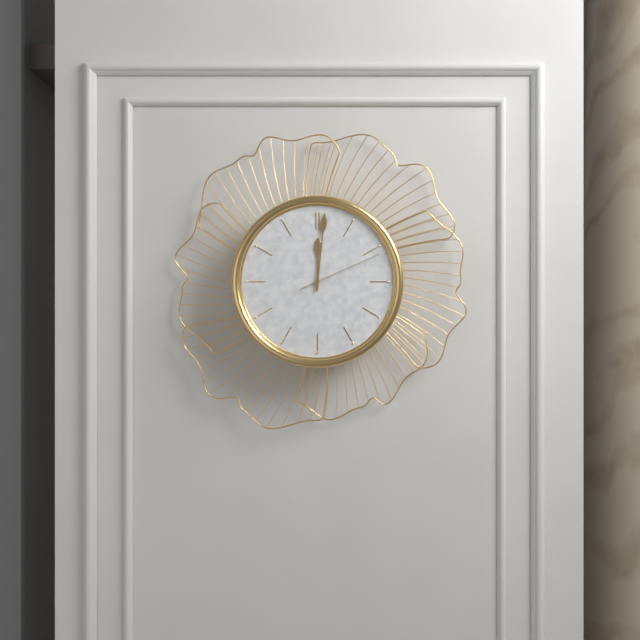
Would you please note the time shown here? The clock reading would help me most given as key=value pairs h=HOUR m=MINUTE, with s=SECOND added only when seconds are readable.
h=12 m=1 s=11
